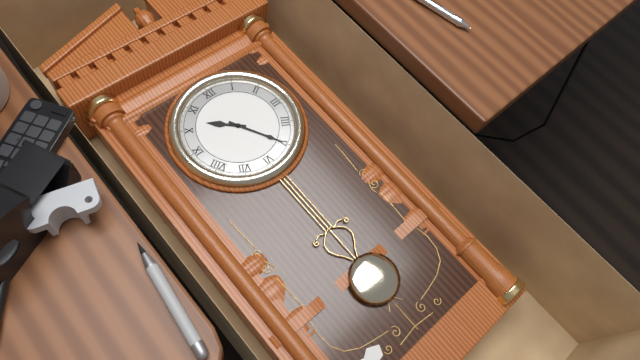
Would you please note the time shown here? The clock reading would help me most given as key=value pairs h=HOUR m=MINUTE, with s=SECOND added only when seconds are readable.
h=10 m=25
